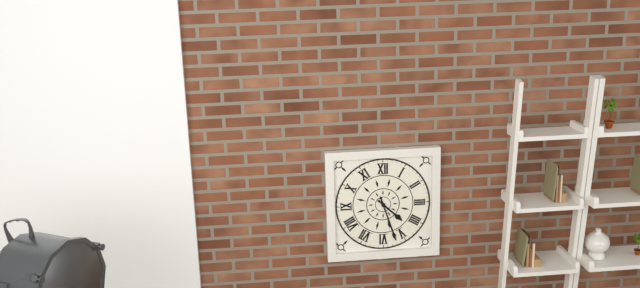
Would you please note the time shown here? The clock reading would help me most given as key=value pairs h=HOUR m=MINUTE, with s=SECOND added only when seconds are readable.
h=4 m=27
